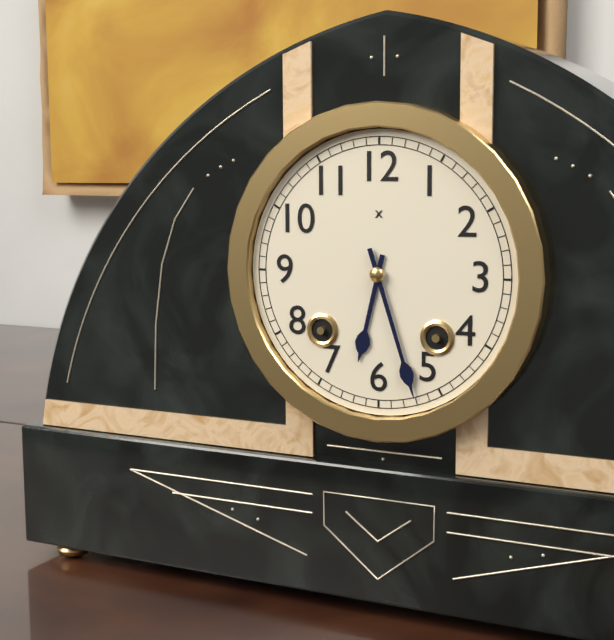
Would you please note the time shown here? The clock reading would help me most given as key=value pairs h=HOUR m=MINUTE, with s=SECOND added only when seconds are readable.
h=6 m=27
